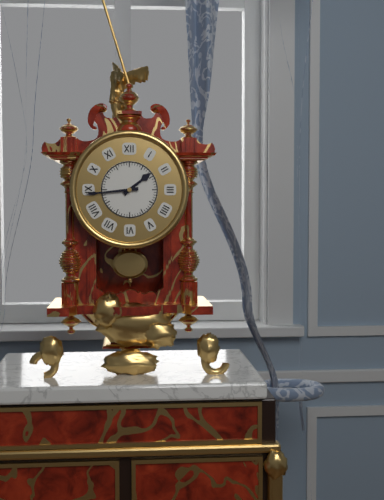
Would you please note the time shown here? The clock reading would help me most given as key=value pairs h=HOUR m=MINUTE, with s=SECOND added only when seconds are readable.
h=1 m=44
